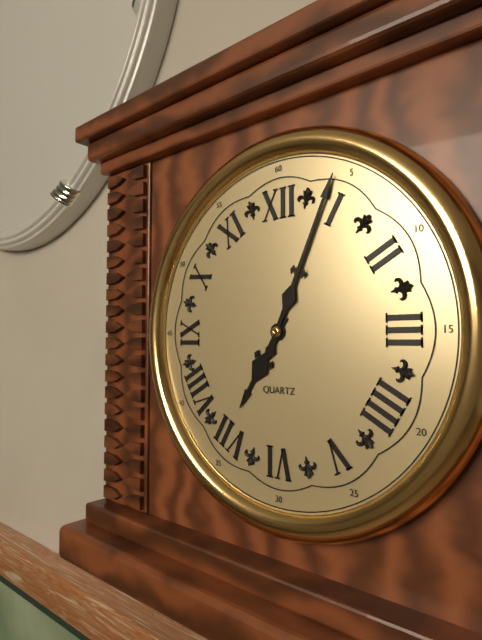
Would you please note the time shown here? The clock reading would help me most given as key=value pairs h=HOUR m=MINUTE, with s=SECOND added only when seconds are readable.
h=7 m=4
